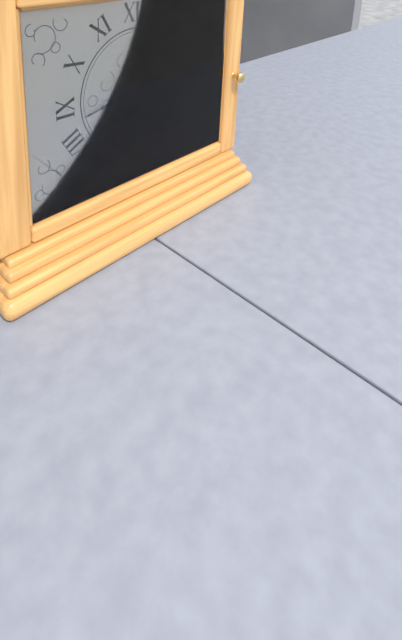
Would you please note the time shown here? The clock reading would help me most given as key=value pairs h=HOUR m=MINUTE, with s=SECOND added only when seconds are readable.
h=5 m=43 s=7
